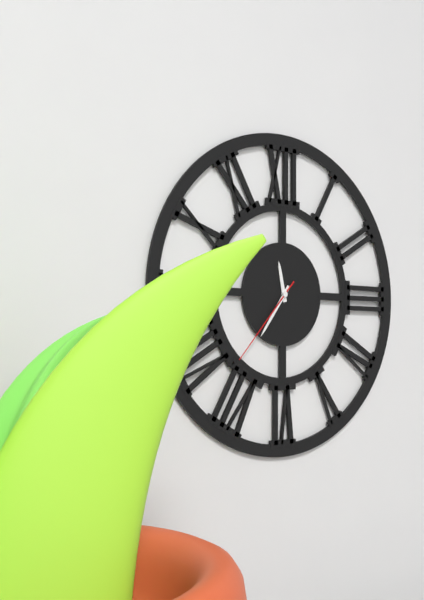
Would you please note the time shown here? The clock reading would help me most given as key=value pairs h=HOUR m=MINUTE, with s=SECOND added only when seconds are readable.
h=11 m=36 s=37
